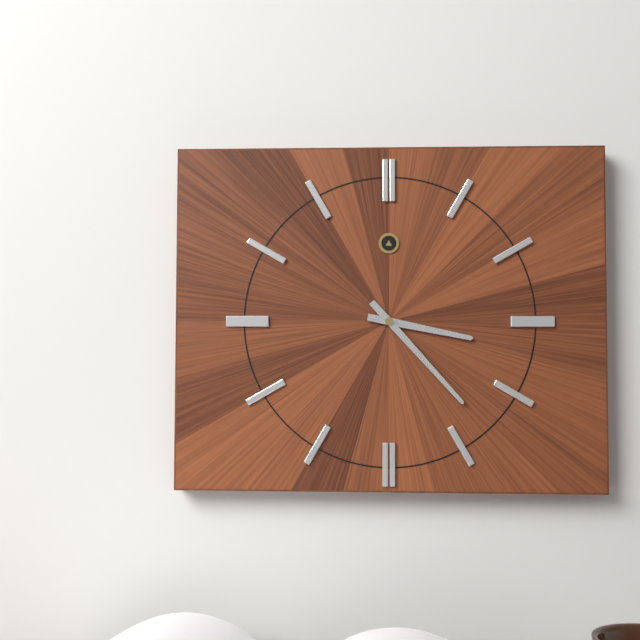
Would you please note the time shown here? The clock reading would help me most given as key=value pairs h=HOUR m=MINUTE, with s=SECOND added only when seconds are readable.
h=3 m=23
